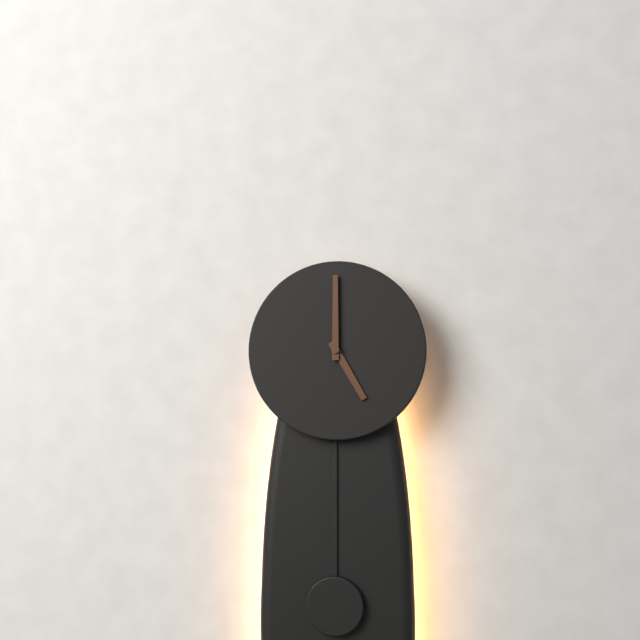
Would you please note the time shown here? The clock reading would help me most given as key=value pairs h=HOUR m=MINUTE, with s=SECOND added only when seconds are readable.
h=5 m=0
